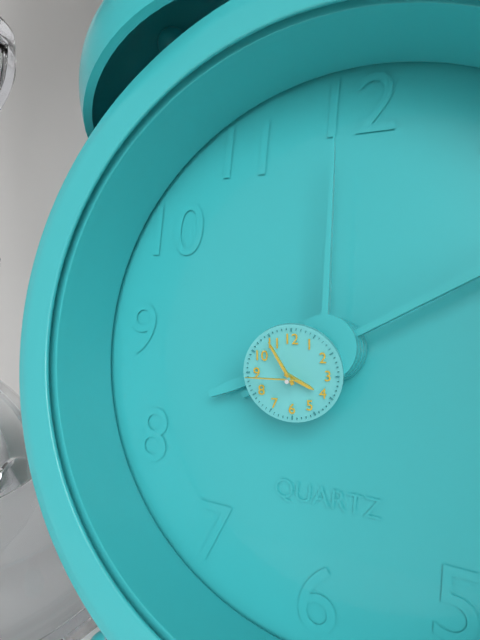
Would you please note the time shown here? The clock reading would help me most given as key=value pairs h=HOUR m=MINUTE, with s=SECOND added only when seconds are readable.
h=3 m=55 s=45
